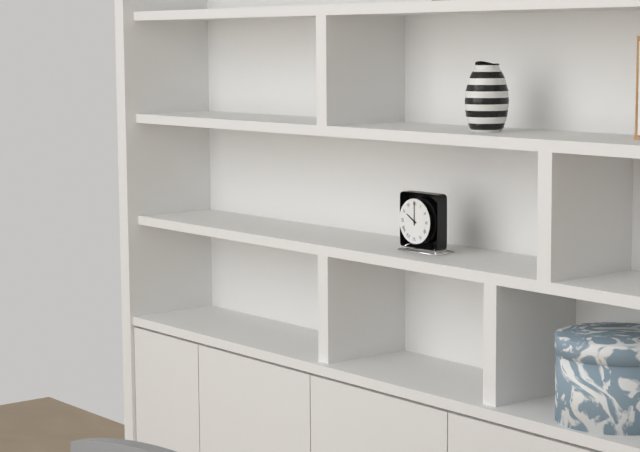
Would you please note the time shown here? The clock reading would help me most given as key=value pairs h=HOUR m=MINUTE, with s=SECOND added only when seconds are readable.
h=10 m=0
